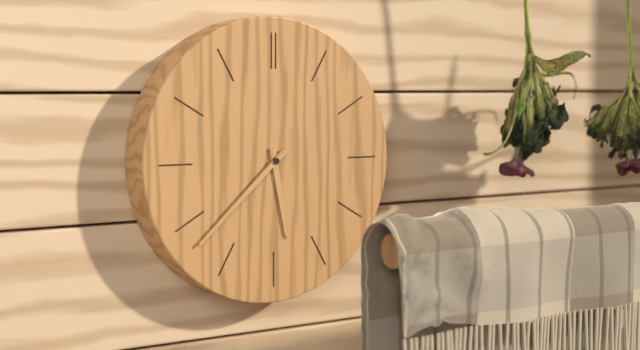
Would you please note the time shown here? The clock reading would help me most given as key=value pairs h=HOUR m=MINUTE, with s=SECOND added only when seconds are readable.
h=5 m=38
